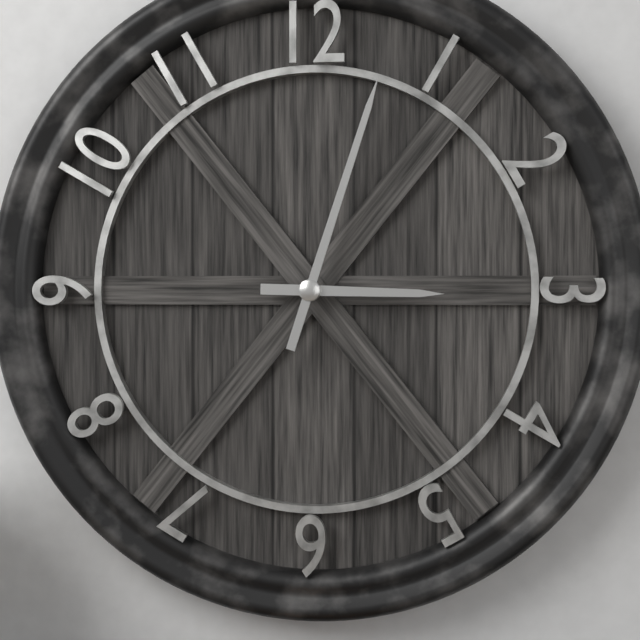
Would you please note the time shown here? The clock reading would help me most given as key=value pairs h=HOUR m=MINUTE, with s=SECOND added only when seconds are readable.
h=3 m=3
